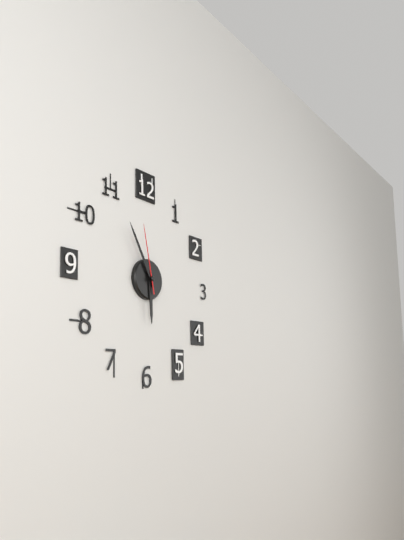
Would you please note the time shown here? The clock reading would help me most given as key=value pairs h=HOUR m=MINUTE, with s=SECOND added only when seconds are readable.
h=5 m=55 s=58
